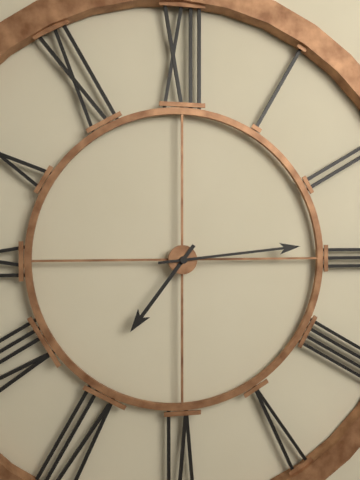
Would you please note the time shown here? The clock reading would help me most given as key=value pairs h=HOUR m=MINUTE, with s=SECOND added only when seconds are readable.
h=7 m=14
